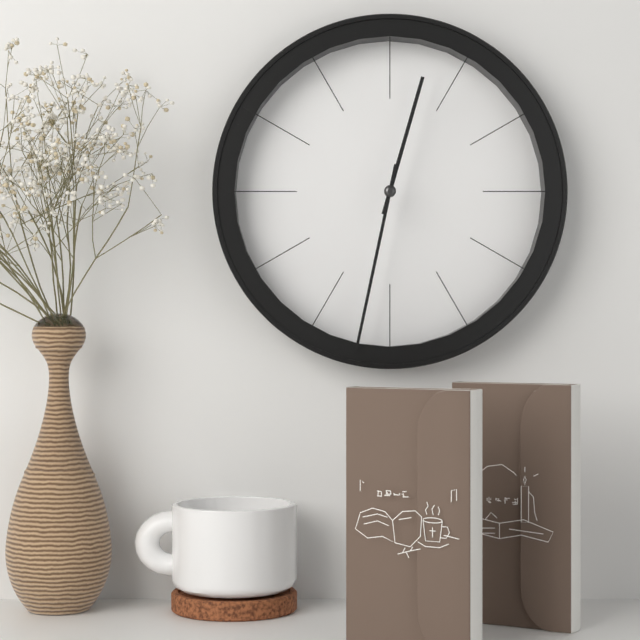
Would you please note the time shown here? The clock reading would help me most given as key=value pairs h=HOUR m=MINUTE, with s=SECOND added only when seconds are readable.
h=12 m=32
